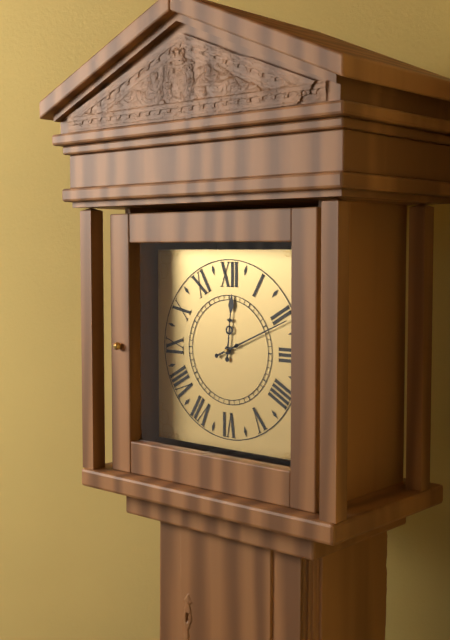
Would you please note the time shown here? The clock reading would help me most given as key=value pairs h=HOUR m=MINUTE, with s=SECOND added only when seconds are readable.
h=12 m=11
